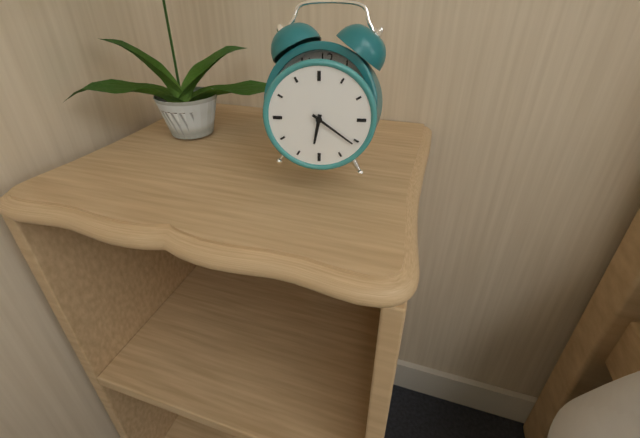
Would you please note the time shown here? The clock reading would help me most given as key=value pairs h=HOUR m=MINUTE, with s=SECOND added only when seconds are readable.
h=6 m=21
